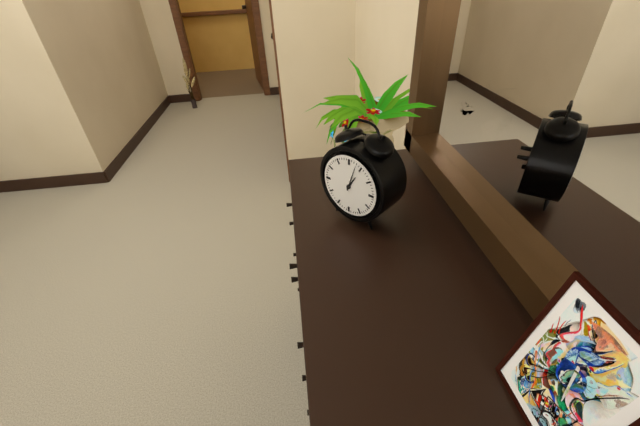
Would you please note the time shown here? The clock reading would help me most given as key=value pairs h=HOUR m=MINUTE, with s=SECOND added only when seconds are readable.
h=1 m=3
